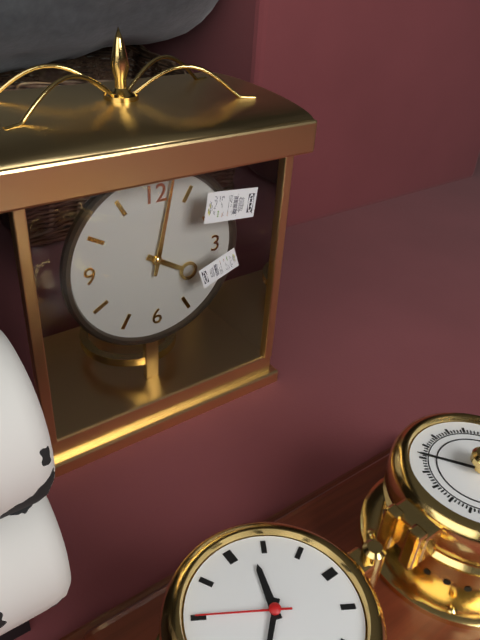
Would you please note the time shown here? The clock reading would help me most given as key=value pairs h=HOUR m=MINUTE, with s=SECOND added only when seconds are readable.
h=4 m=2
